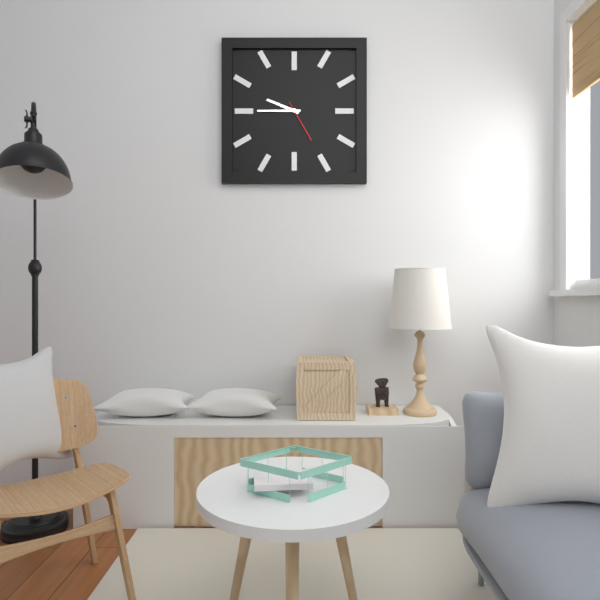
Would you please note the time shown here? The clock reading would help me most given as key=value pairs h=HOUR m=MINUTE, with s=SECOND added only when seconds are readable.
h=9 m=45
